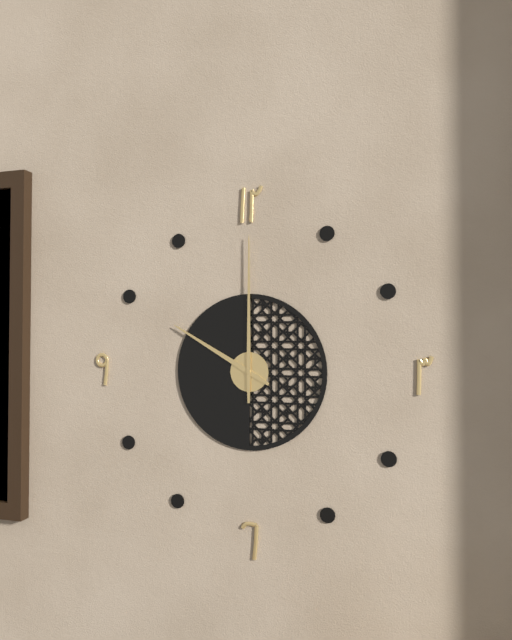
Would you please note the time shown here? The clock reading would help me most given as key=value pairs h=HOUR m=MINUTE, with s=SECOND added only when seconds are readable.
h=10 m=0
